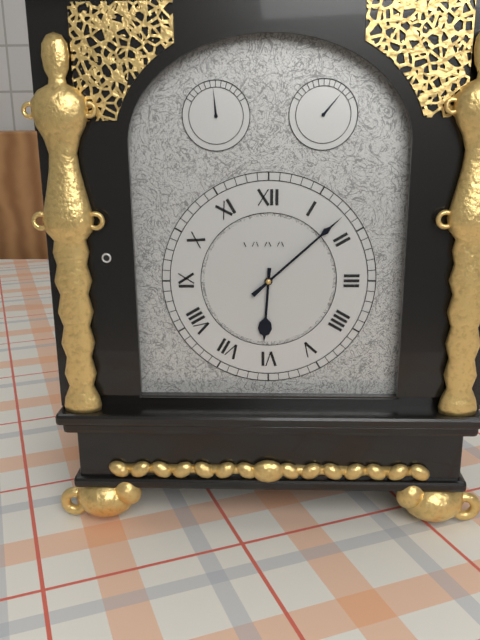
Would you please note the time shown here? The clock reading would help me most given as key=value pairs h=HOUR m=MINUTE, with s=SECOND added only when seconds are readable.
h=6 m=8
